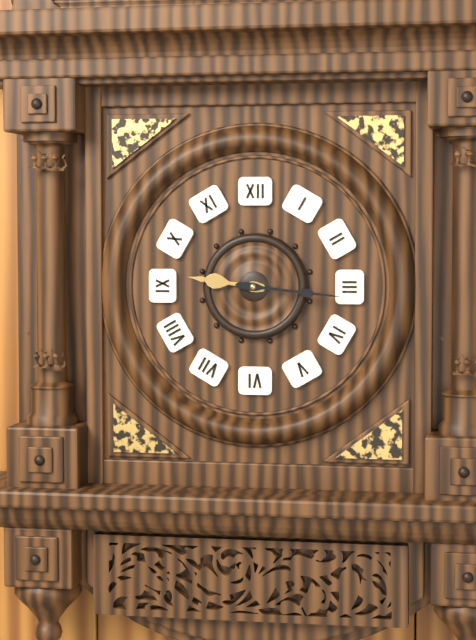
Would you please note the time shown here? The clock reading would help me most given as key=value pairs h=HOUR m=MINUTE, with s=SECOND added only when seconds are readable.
h=9 m=16
